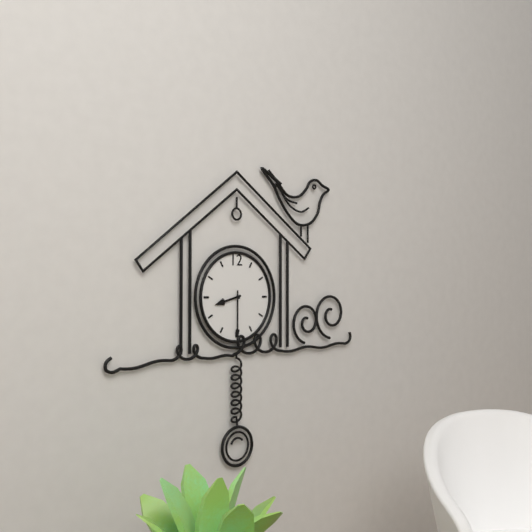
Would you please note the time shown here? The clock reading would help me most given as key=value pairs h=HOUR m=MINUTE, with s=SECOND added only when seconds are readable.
h=8 m=30
